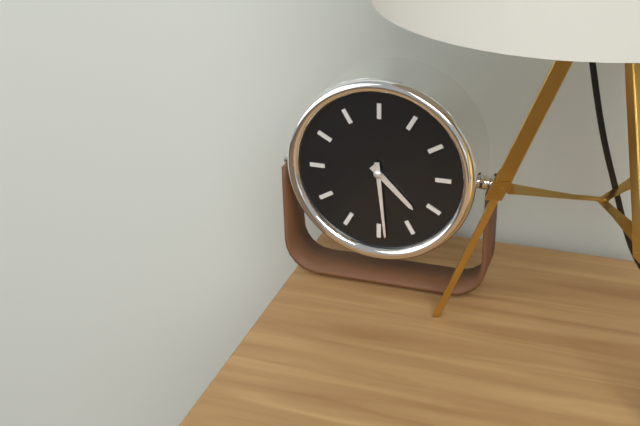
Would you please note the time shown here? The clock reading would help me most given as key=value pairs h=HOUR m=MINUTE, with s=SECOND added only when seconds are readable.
h=4 m=29
